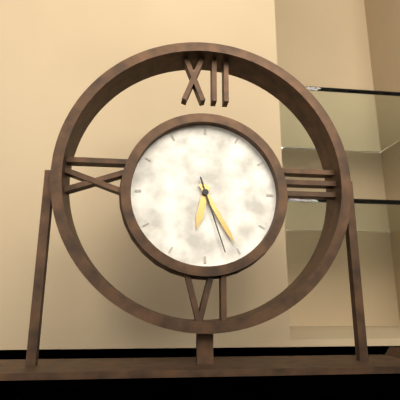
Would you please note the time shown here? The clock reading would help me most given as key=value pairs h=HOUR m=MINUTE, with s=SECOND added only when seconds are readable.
h=6 m=25 s=27
